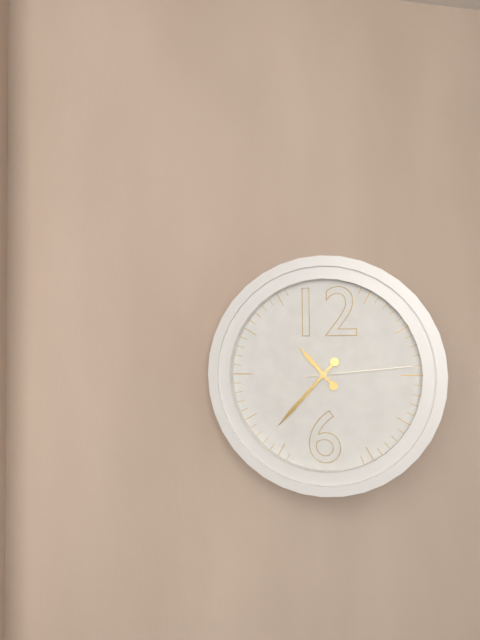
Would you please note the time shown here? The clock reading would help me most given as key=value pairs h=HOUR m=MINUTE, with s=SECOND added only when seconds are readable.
h=10 m=37 s=14
